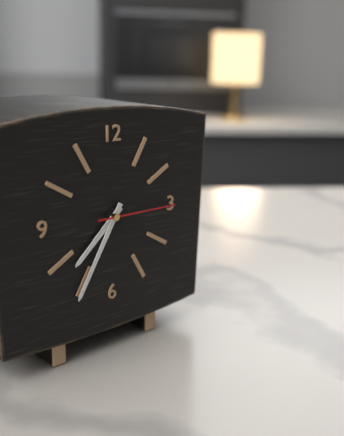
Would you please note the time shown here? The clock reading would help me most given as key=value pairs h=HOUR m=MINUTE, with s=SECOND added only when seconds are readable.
h=7 m=35 s=15
